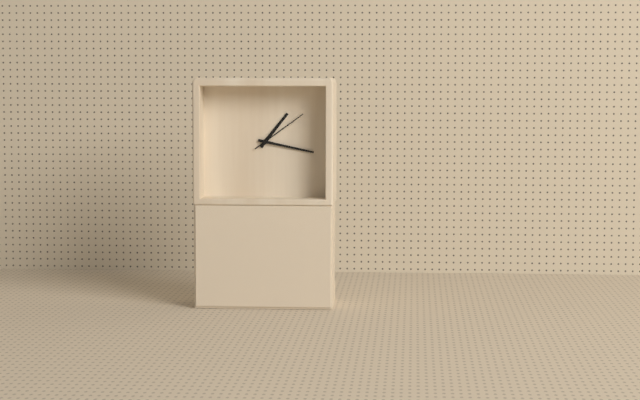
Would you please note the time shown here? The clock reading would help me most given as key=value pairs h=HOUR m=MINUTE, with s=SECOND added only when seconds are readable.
h=1 m=17 s=9
